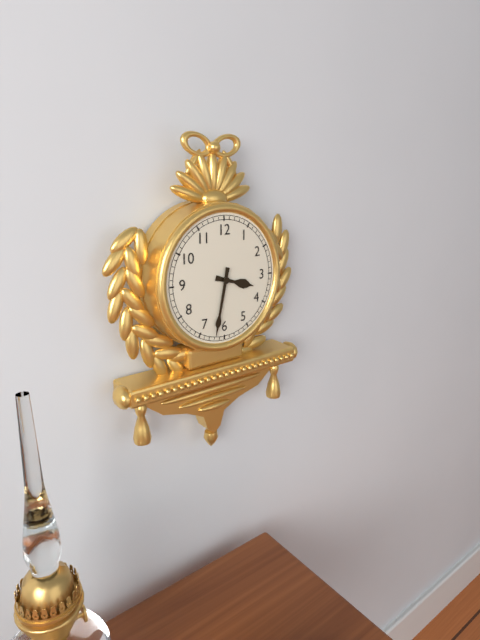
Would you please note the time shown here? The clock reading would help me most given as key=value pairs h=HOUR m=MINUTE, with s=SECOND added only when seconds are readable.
h=3 m=32
